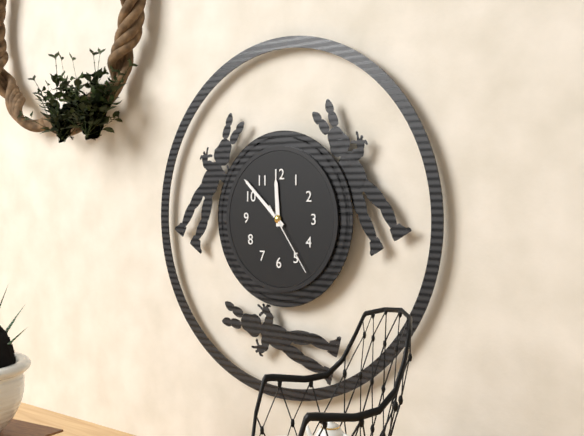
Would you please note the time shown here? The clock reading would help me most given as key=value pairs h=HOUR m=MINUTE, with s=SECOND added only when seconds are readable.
h=11 m=52 s=24
